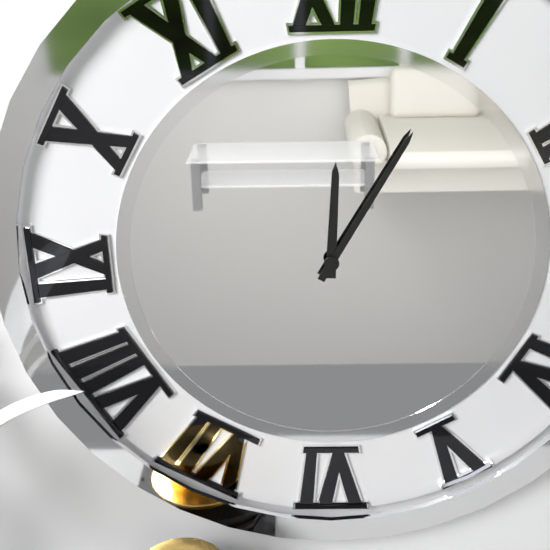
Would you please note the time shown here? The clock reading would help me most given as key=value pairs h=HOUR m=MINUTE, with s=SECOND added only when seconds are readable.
h=12 m=5
